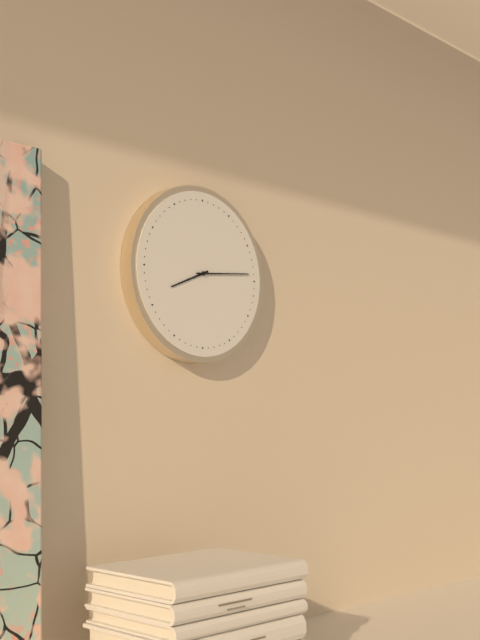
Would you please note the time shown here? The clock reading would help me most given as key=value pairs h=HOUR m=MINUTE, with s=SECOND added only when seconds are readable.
h=8 m=14
